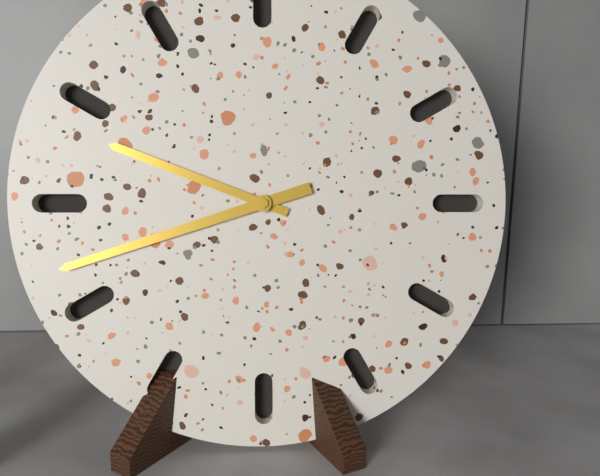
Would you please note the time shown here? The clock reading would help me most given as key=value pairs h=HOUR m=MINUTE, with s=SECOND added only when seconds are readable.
h=9 m=42
